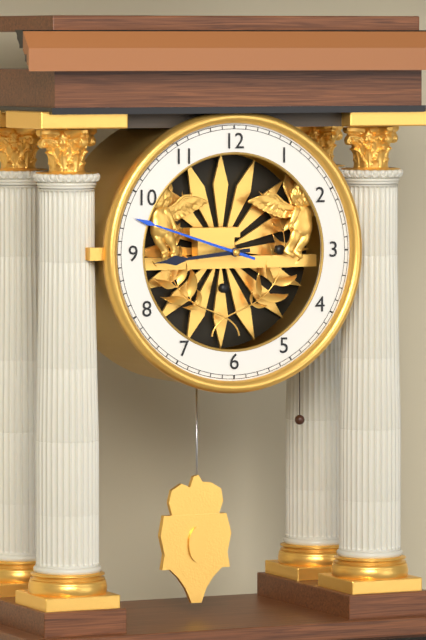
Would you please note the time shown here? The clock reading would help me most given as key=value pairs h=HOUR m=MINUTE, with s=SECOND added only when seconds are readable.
h=8 m=48
